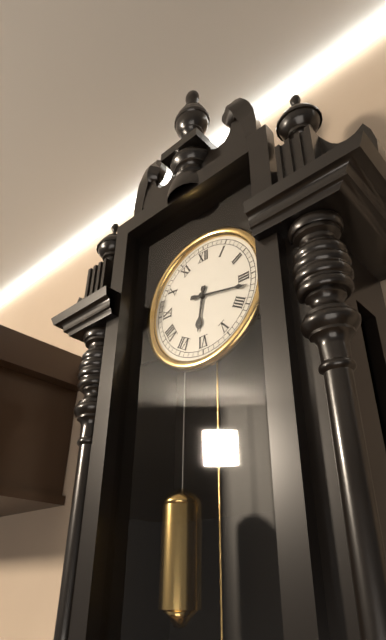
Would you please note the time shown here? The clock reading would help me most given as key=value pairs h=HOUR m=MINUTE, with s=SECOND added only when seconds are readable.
h=6 m=17
